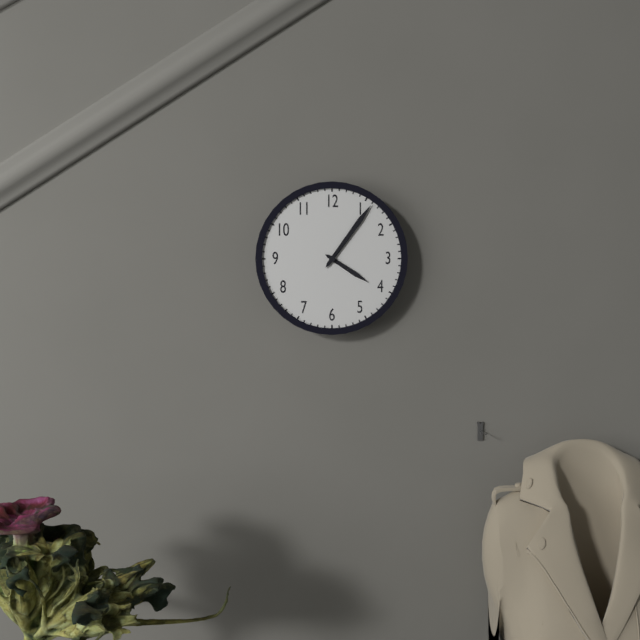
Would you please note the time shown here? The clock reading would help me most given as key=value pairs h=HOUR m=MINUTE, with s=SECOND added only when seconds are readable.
h=4 m=6
